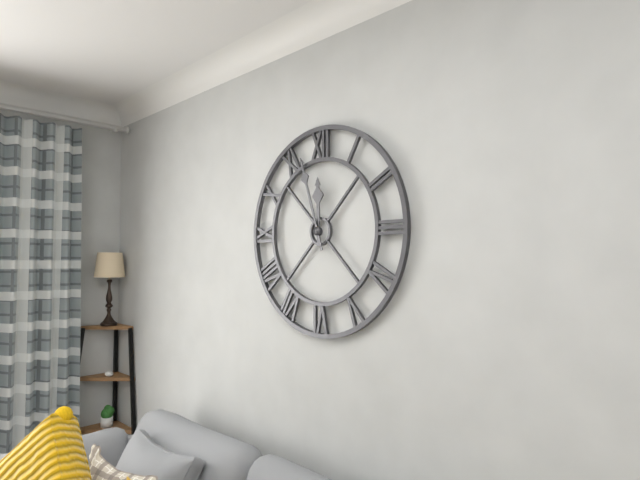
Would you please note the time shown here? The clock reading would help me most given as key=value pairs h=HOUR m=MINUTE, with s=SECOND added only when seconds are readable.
h=11 m=57
